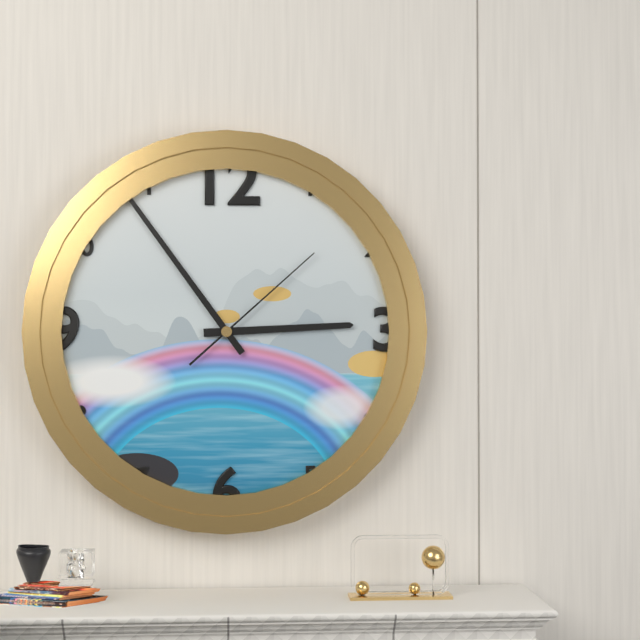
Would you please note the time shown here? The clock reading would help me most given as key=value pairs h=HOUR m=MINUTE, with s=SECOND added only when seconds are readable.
h=2 m=54 s=8
